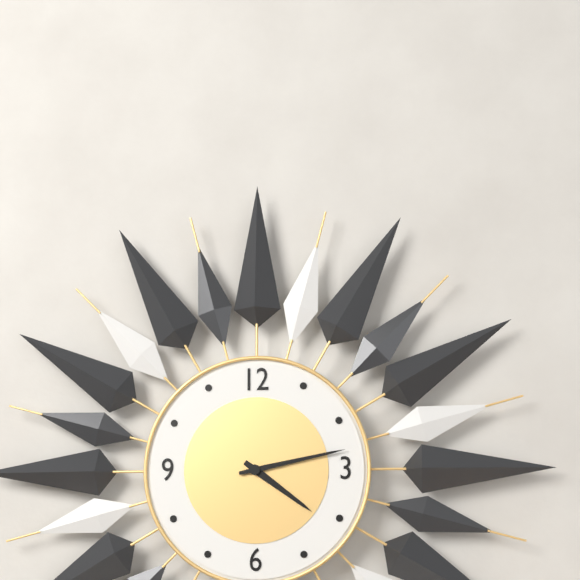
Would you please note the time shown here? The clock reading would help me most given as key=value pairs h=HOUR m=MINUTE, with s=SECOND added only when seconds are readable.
h=4 m=13
